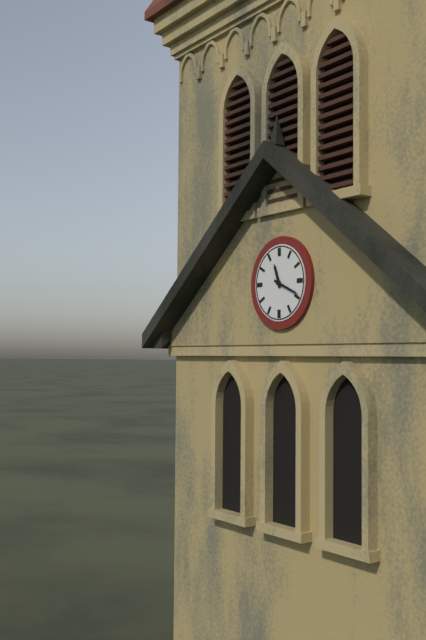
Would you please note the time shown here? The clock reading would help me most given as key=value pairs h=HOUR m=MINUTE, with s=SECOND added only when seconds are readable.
h=11 m=19
